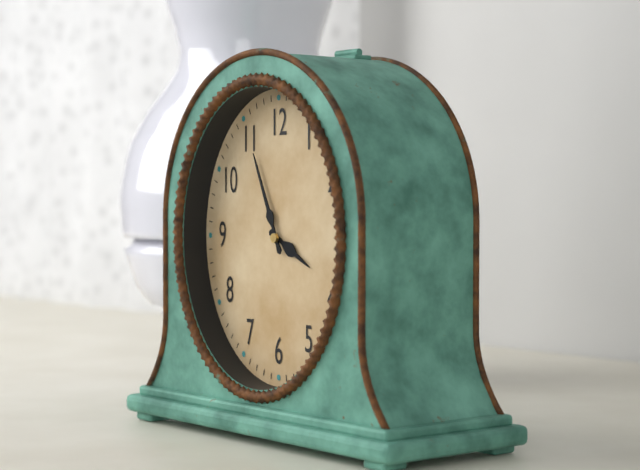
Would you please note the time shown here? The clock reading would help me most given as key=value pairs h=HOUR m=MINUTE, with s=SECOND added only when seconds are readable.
h=3 m=56
